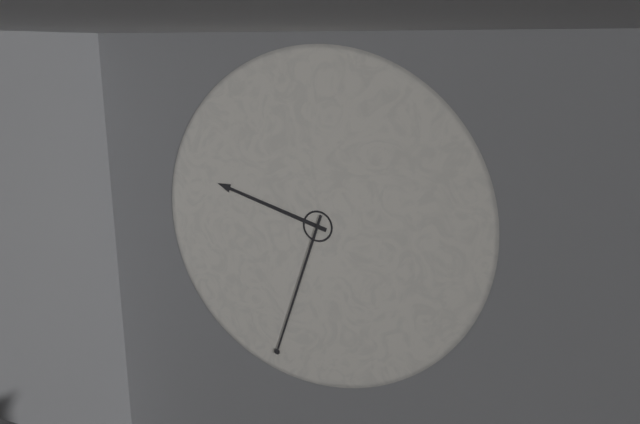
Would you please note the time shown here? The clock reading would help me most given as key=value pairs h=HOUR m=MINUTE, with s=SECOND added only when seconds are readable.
h=9 m=33
